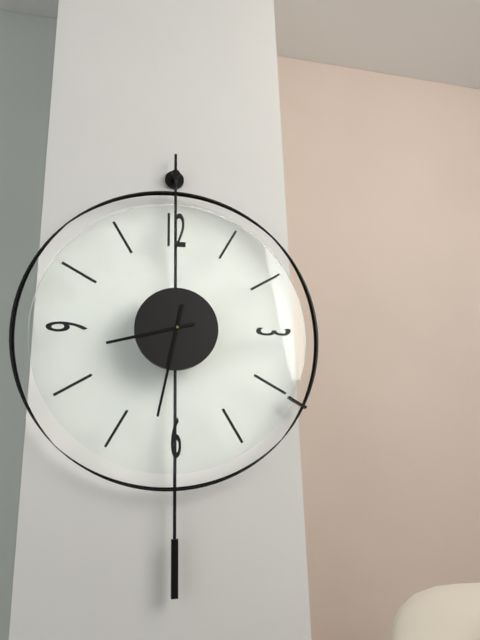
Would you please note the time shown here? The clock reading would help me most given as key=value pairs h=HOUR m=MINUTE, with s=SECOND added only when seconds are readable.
h=8 m=32
